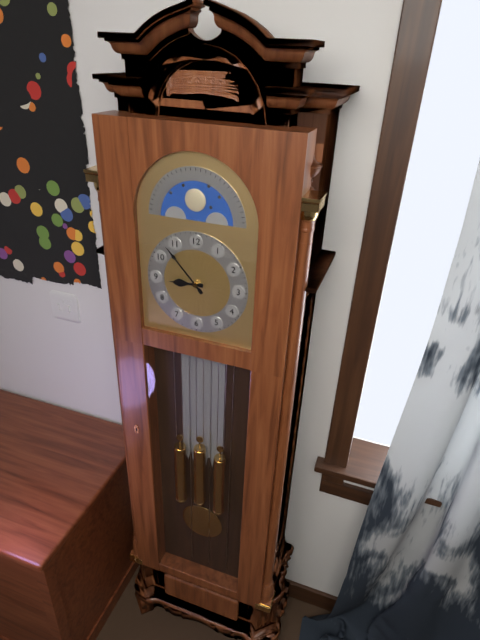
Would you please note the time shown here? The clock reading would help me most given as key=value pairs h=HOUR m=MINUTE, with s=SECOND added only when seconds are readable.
h=8 m=53
